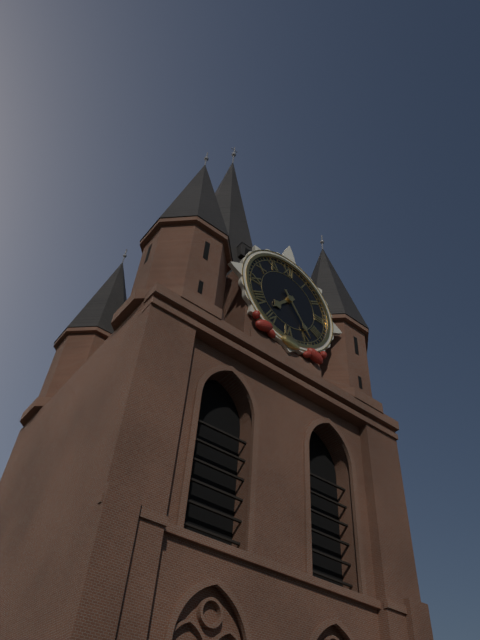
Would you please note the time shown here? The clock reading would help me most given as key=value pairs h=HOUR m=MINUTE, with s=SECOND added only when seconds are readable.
h=7 m=24
